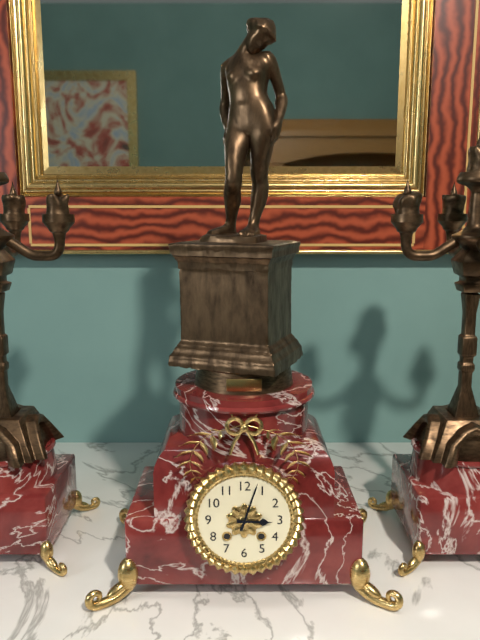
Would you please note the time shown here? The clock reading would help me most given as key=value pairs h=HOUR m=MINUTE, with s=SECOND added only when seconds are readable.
h=3 m=3
